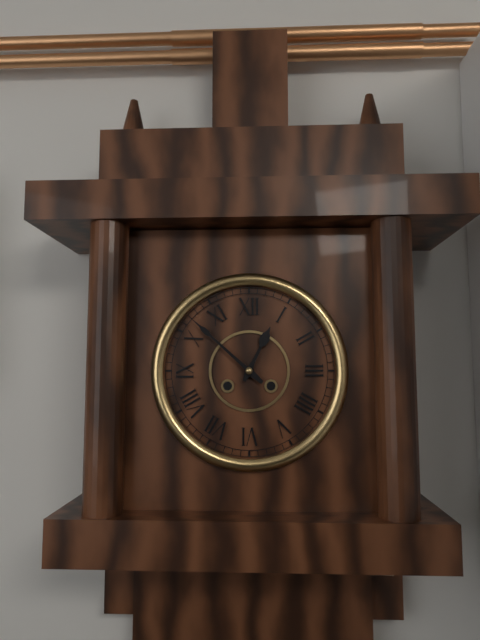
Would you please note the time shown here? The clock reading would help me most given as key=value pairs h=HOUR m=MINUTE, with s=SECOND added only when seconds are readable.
h=12 m=52
